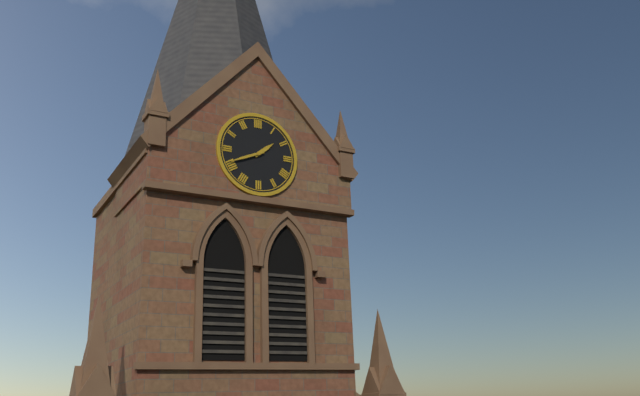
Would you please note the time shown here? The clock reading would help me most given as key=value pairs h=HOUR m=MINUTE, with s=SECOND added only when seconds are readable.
h=1 m=41
